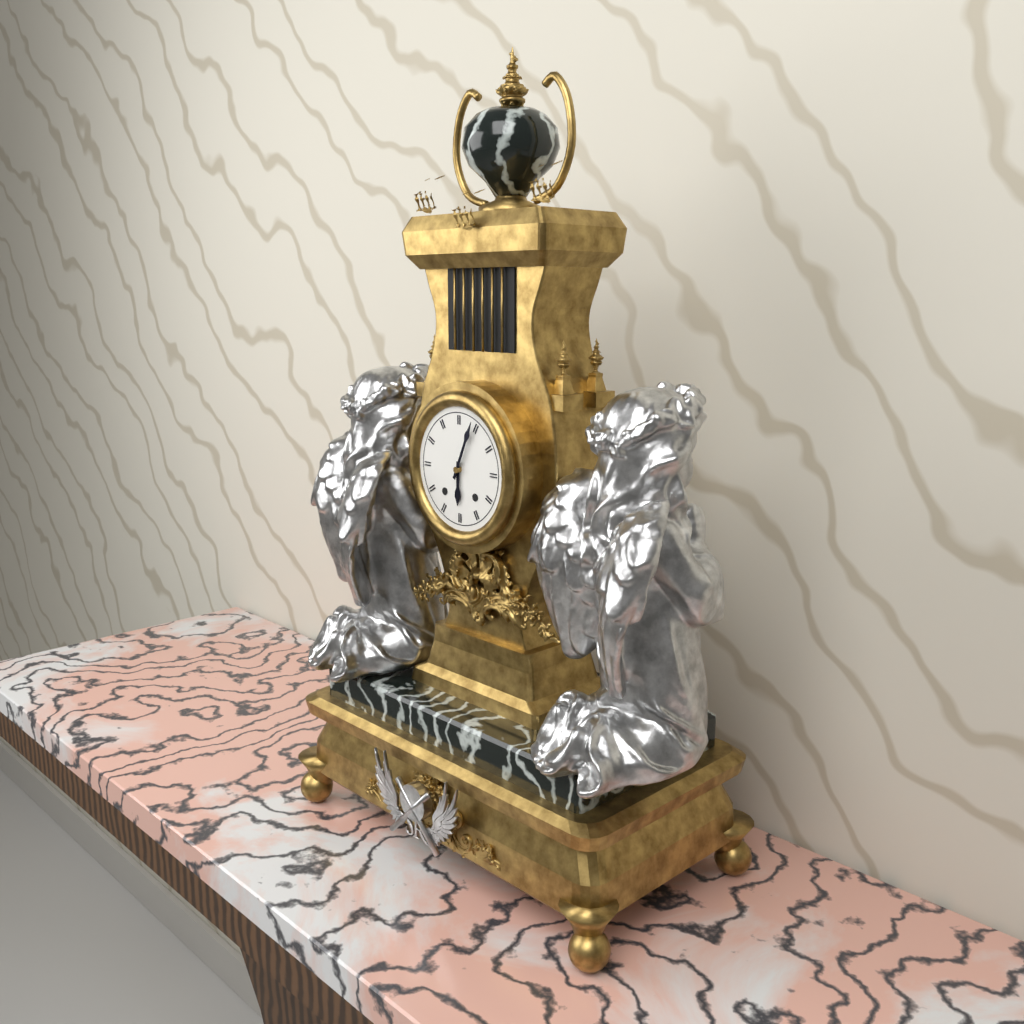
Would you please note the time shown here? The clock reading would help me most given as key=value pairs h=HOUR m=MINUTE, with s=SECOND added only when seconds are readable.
h=6 m=4
